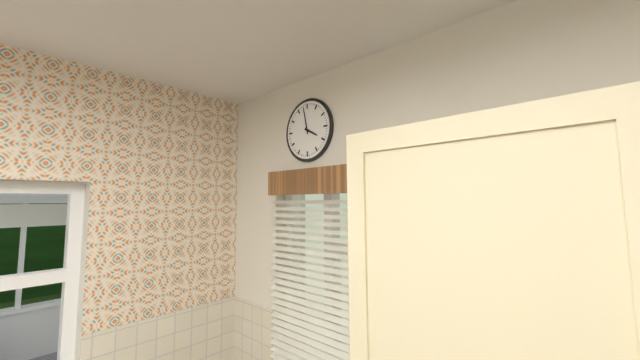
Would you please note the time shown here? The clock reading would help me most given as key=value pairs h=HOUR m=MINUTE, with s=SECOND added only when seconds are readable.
h=3 m=58
